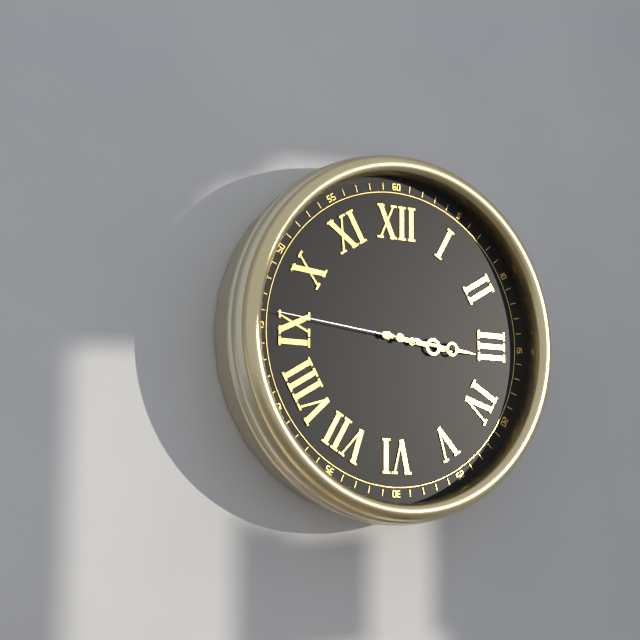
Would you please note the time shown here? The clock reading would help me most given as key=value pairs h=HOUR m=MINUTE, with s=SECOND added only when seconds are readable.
h=3 m=16 s=46
